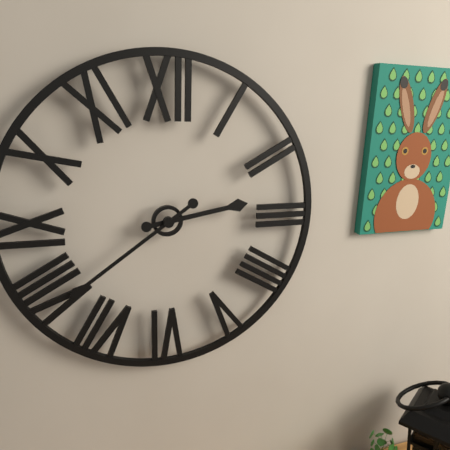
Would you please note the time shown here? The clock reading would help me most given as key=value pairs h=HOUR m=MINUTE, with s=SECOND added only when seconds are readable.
h=2 m=39
